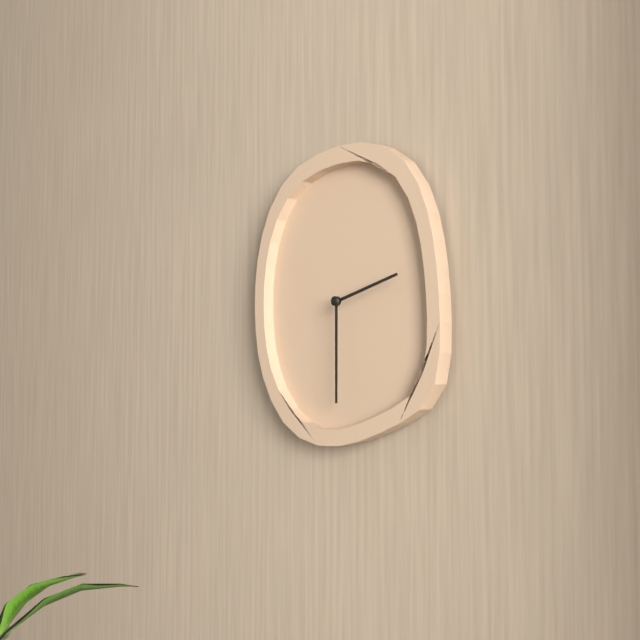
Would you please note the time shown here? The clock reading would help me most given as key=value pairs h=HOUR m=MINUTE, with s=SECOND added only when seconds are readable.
h=2 m=30
